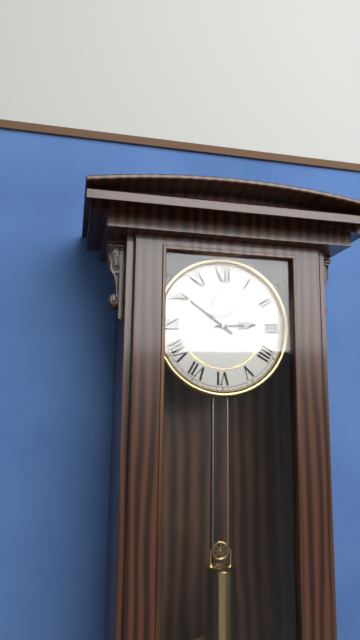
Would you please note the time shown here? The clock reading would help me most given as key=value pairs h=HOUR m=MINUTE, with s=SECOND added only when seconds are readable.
h=2 m=51
